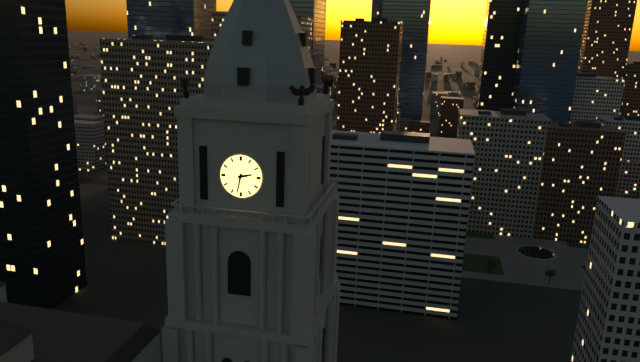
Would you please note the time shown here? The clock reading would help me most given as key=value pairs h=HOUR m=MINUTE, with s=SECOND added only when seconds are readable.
h=2 m=32
